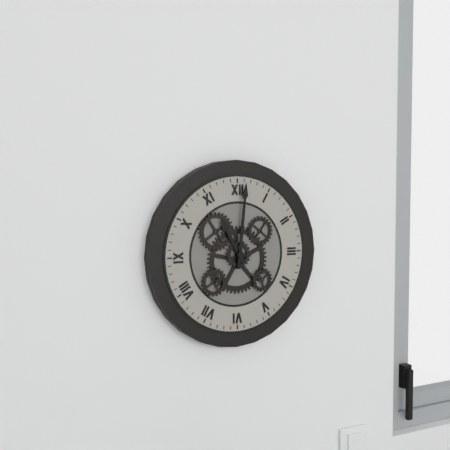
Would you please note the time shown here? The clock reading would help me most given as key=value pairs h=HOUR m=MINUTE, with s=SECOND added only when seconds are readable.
h=11 m=1
